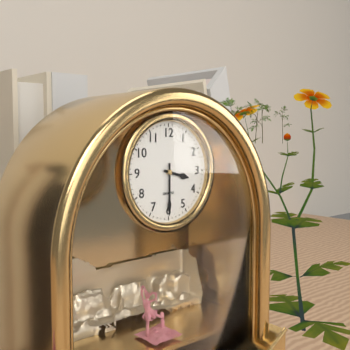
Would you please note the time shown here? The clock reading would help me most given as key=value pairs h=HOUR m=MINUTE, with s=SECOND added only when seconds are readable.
h=3 m=30
